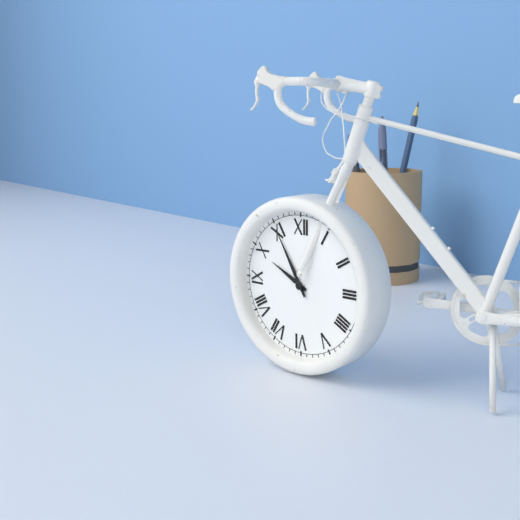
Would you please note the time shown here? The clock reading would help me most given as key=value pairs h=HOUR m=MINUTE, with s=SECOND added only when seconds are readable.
h=9 m=55
